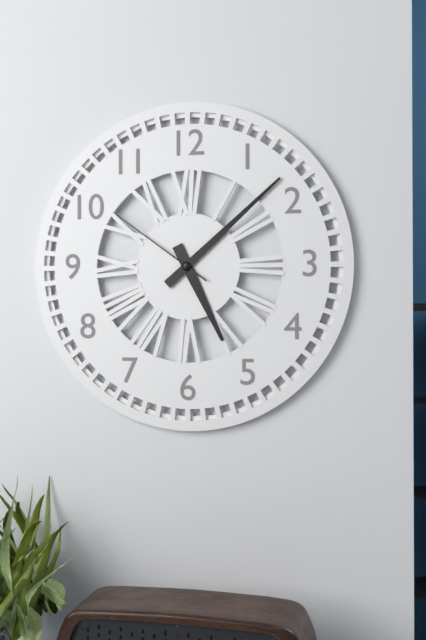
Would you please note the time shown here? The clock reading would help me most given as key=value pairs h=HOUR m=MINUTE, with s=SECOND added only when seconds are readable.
h=5 m=8 s=51
